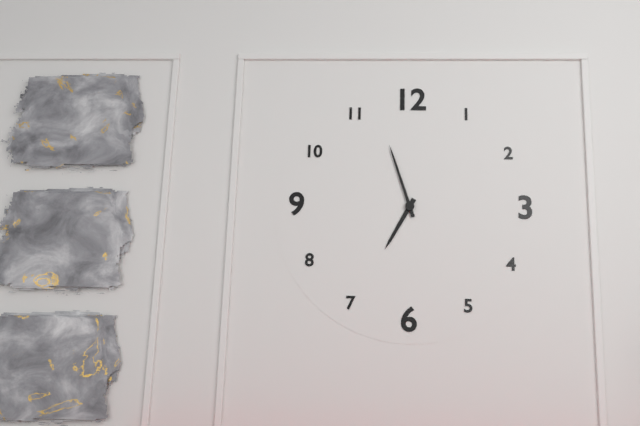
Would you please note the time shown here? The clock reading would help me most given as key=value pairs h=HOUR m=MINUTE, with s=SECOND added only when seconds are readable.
h=6 m=57
